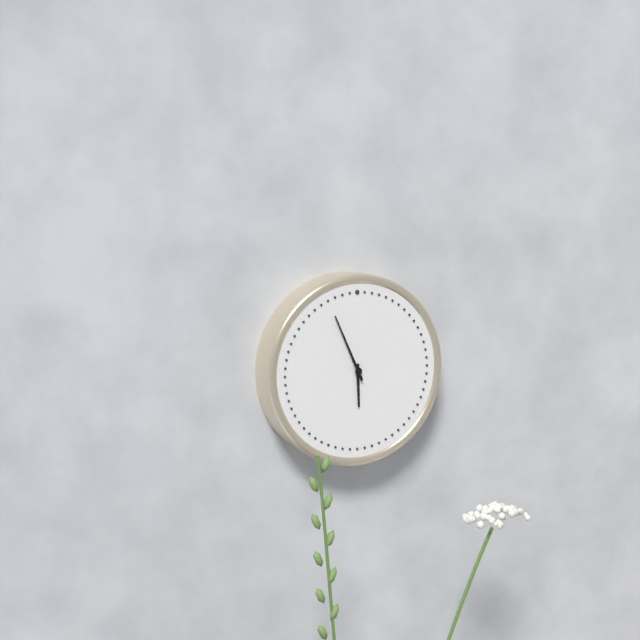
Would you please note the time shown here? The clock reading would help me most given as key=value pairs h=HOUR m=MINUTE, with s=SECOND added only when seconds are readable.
h=5 m=56
